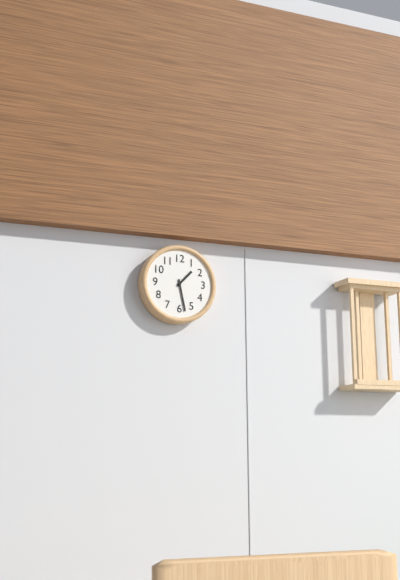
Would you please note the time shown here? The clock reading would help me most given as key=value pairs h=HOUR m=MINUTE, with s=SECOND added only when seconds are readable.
h=1 m=28
